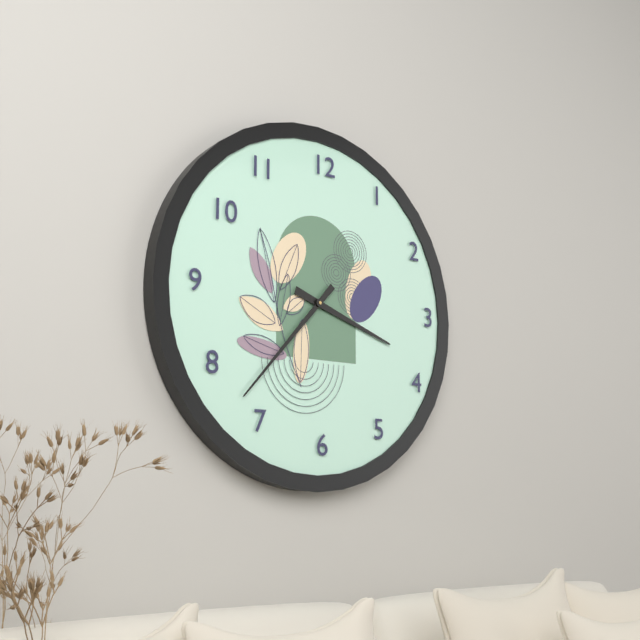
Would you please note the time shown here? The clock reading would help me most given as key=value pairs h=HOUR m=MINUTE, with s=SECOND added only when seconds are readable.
h=3 m=37
